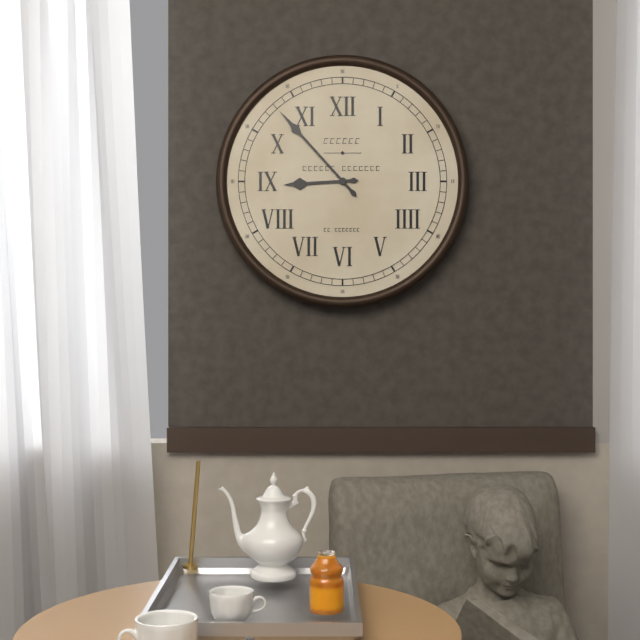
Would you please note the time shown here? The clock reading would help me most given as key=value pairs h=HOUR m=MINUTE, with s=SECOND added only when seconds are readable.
h=8 m=53
